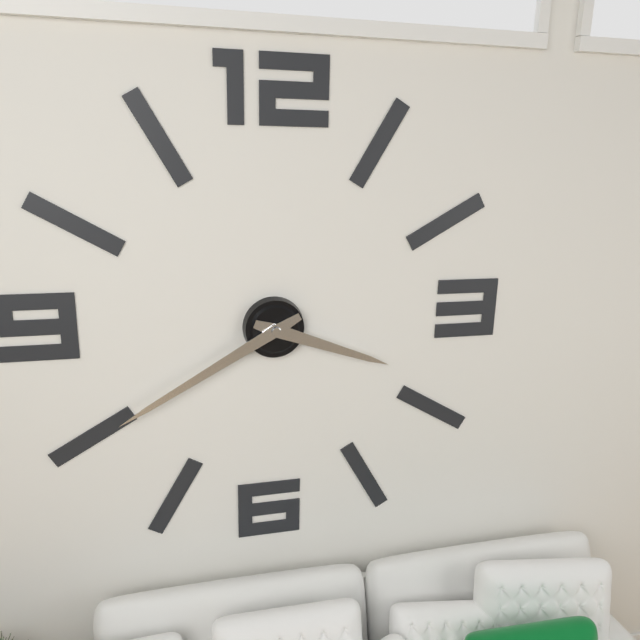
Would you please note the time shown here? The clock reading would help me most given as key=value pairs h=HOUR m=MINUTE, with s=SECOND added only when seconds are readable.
h=3 m=40
